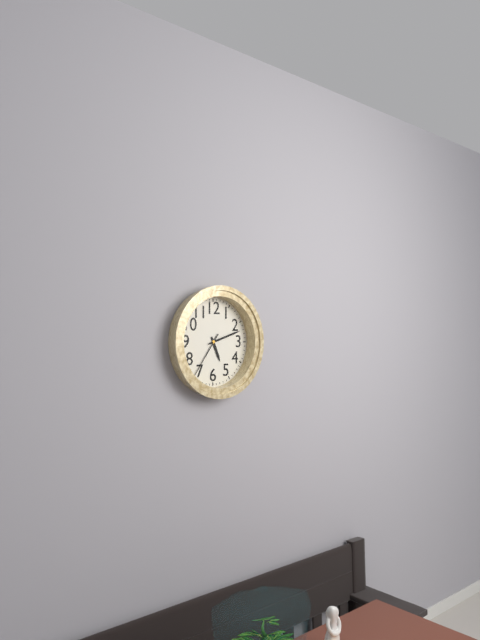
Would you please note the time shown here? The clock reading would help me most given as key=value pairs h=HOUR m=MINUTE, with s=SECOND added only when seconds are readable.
h=5 m=12
